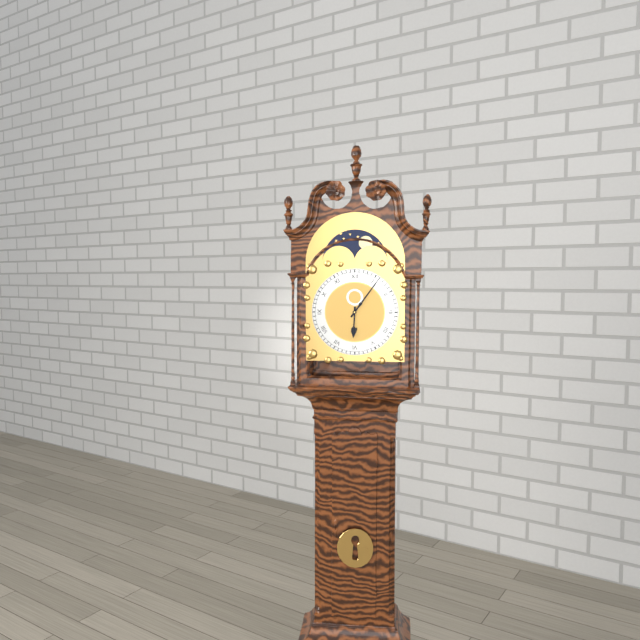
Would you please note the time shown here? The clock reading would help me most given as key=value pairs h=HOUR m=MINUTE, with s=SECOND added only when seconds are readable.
h=6 m=6
